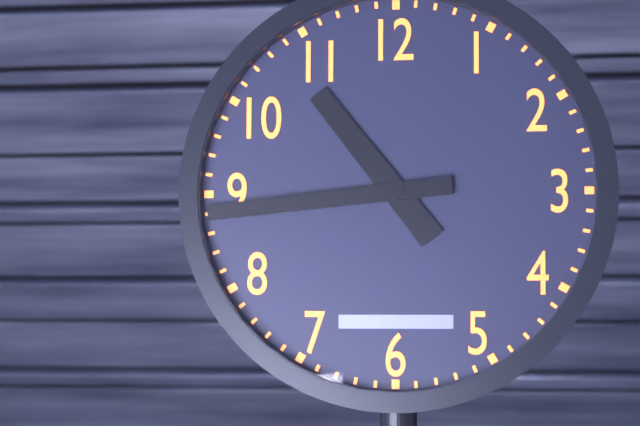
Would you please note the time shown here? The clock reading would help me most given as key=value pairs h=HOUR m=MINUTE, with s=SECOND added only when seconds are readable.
h=10 m=44
